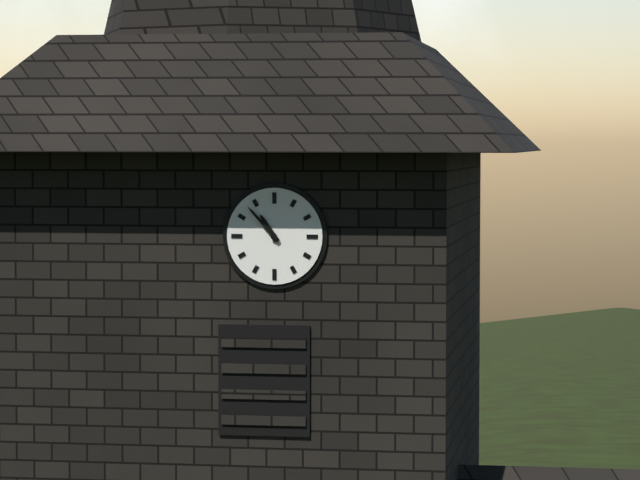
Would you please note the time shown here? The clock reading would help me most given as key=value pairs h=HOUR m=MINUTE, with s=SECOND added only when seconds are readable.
h=10 m=53
